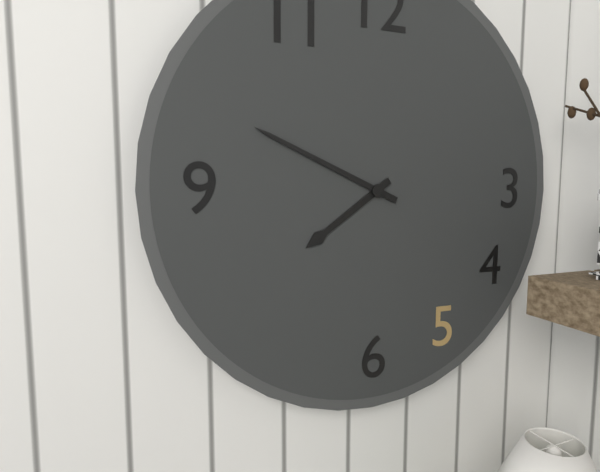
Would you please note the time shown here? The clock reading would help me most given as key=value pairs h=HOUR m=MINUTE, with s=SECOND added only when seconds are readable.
h=7 m=49
